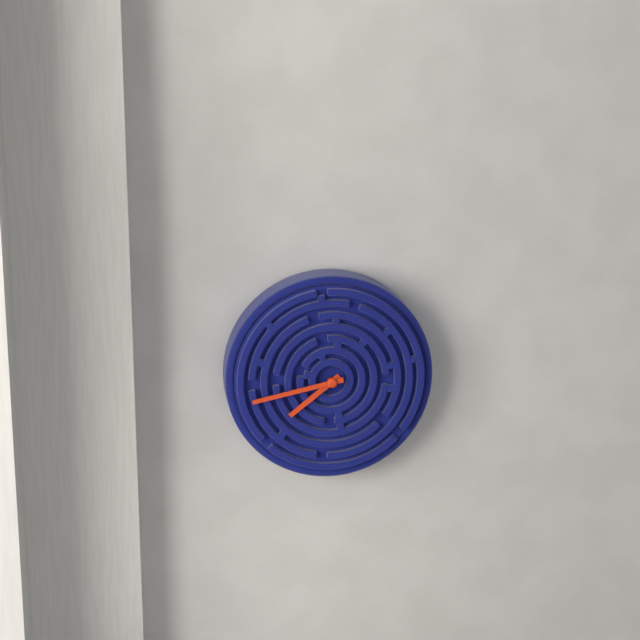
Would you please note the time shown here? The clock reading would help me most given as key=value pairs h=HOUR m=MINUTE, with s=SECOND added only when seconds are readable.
h=7 m=43
